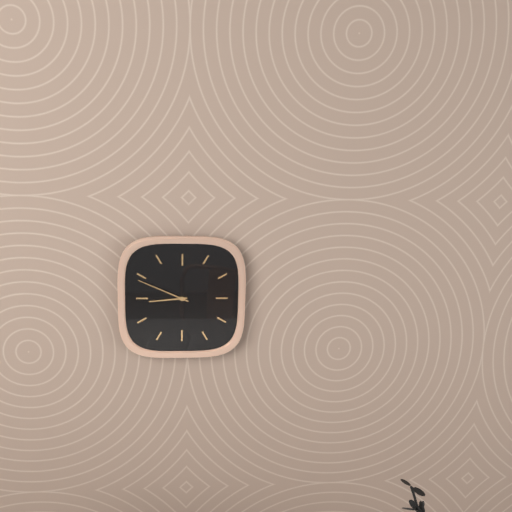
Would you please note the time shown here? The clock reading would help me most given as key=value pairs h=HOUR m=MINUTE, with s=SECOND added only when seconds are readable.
h=8 m=49
